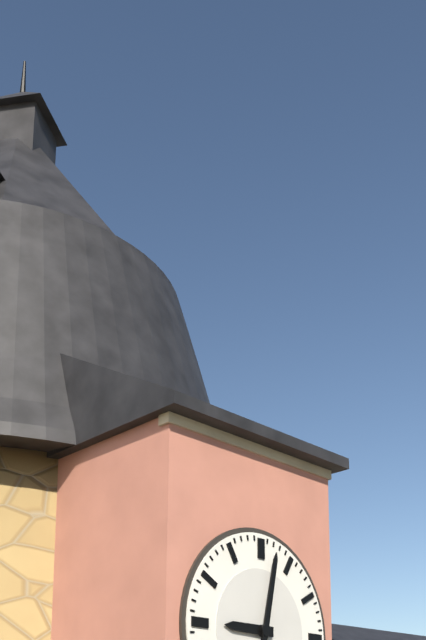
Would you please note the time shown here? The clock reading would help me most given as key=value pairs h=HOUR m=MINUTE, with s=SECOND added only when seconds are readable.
h=9 m=2
